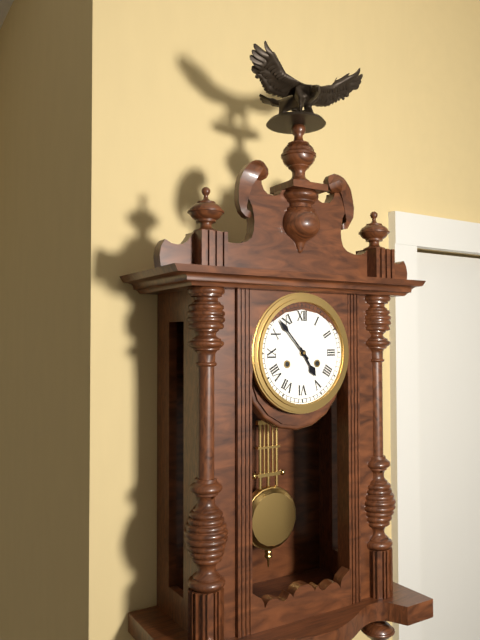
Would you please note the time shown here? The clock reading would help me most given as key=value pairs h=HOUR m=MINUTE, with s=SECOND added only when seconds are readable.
h=4 m=53
